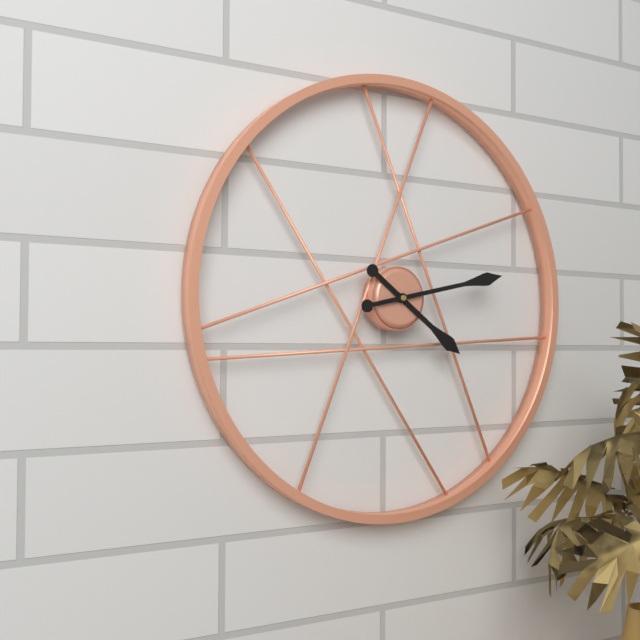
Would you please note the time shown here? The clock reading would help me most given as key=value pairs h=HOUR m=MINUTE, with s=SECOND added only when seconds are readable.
h=4 m=13
